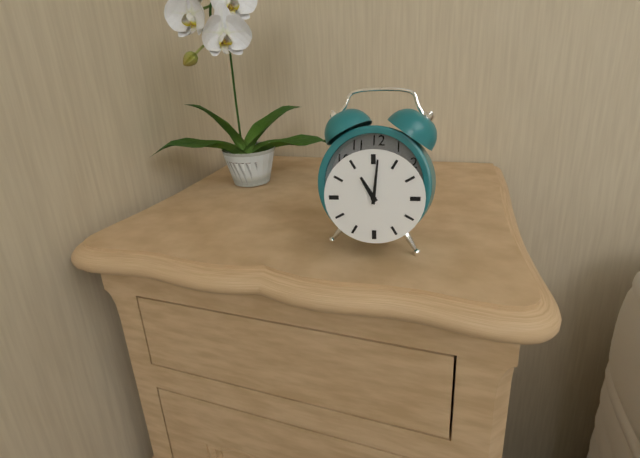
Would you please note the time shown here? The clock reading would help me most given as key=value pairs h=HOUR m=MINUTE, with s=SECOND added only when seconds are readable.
h=11 m=1
